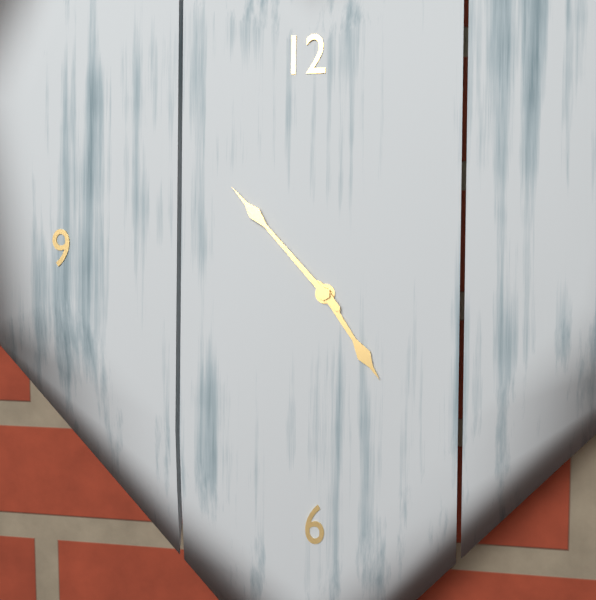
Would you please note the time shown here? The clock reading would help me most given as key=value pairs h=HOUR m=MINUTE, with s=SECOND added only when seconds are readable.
h=4 m=53
